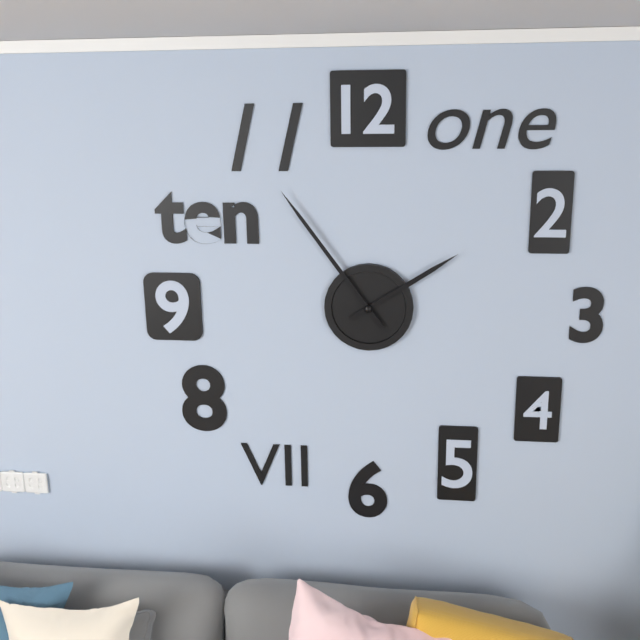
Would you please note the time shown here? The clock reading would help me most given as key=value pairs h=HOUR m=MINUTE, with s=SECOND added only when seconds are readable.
h=1 m=54
